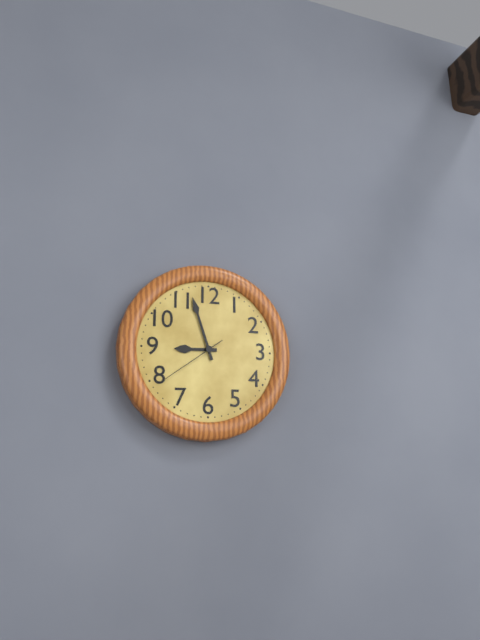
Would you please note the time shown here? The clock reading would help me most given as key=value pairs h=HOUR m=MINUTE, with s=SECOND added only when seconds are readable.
h=8 m=57 s=39
